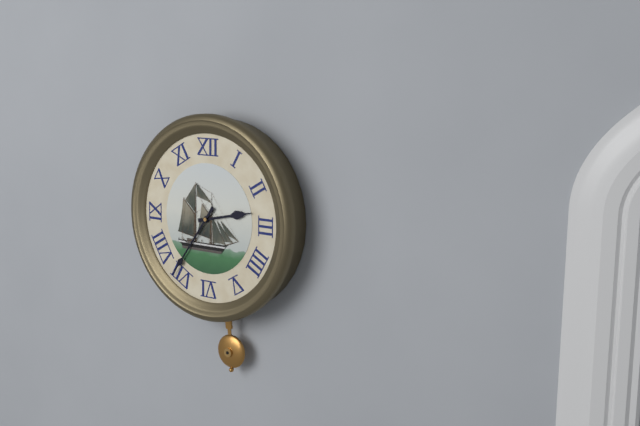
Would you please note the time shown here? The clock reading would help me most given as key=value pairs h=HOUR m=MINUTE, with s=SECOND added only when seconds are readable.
h=2 m=36
